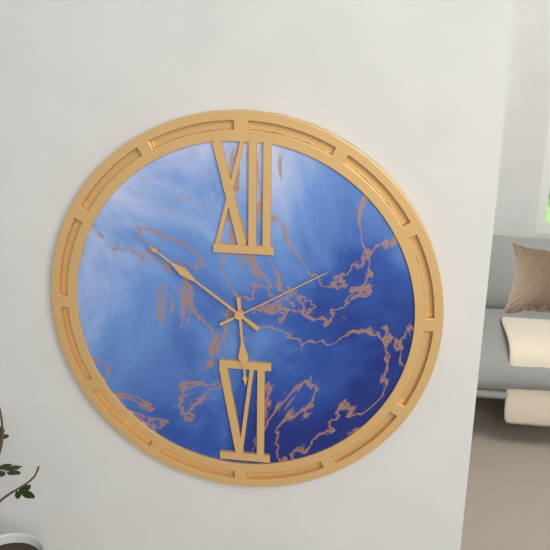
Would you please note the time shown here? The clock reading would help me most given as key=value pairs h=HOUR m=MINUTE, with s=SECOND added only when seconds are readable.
h=5 m=51 s=10
